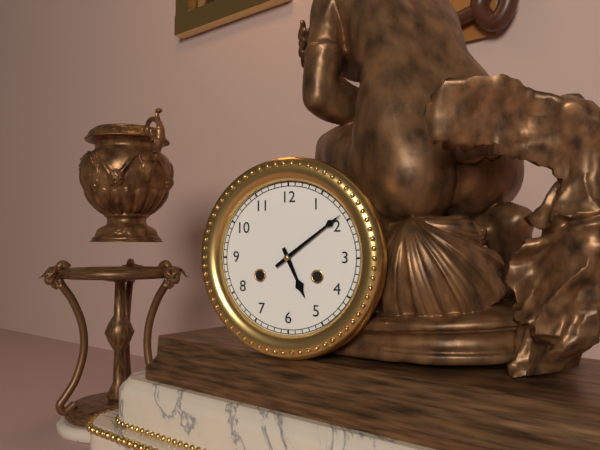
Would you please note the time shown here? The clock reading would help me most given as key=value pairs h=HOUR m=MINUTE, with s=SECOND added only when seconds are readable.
h=5 m=9
